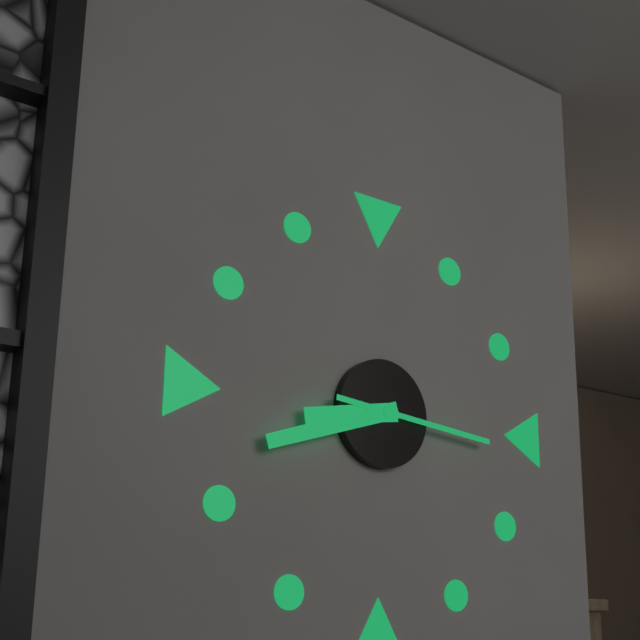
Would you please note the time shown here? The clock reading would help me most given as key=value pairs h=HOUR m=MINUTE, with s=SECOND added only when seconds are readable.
h=8 m=42 s=16
